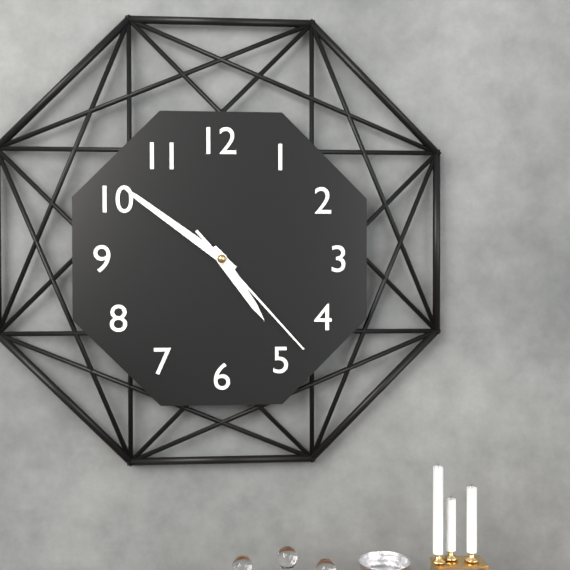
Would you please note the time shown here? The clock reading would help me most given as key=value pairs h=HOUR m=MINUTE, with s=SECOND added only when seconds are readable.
h=4 m=51 s=23
